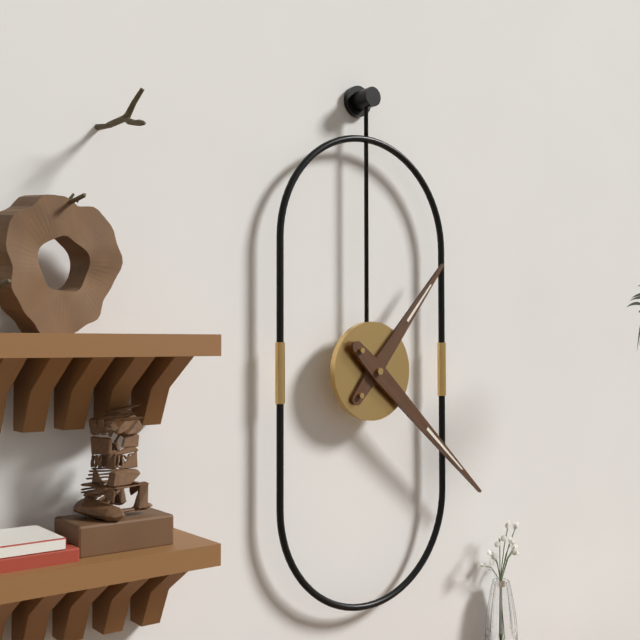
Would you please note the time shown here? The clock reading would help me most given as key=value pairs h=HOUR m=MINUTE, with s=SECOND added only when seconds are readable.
h=1 m=22
